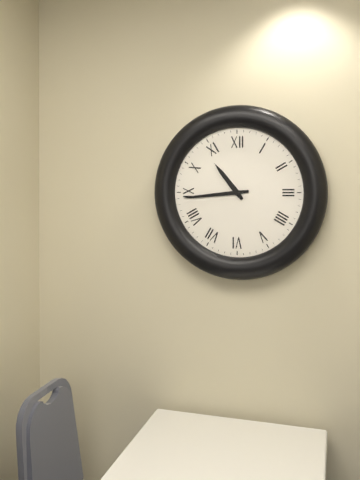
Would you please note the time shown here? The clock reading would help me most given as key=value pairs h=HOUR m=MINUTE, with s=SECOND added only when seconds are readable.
h=10 m=44
